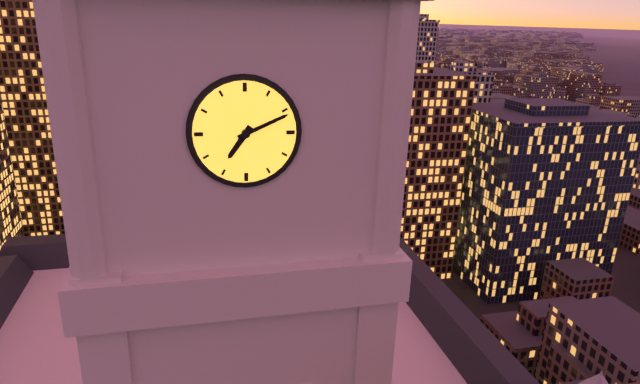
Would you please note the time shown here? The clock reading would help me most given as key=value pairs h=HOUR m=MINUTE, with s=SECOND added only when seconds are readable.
h=7 m=11
